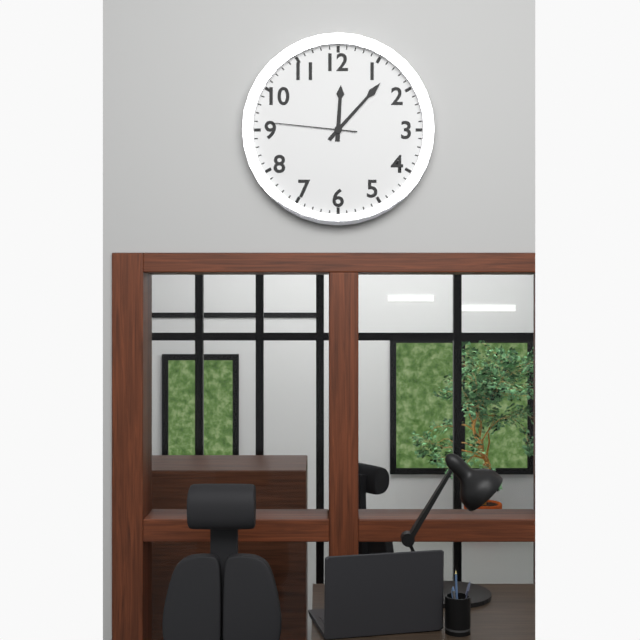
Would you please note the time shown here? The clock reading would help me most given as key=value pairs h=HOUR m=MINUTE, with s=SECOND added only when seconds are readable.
h=12 m=7 s=46
